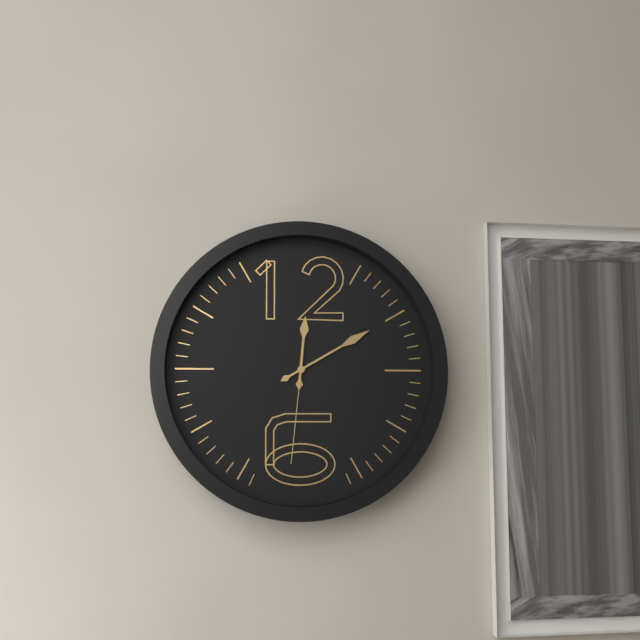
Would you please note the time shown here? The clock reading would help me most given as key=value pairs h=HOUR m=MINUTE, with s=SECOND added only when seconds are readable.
h=12 m=10 s=31
